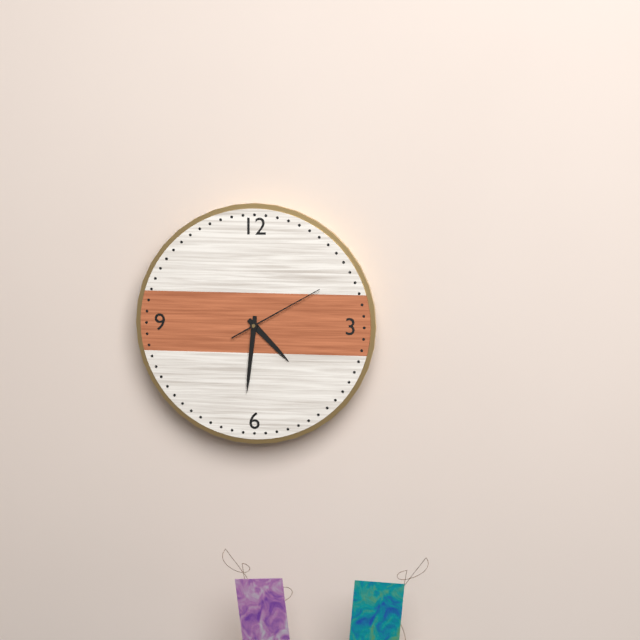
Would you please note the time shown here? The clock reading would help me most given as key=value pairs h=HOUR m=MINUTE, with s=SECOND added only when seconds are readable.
h=4 m=31 s=10
